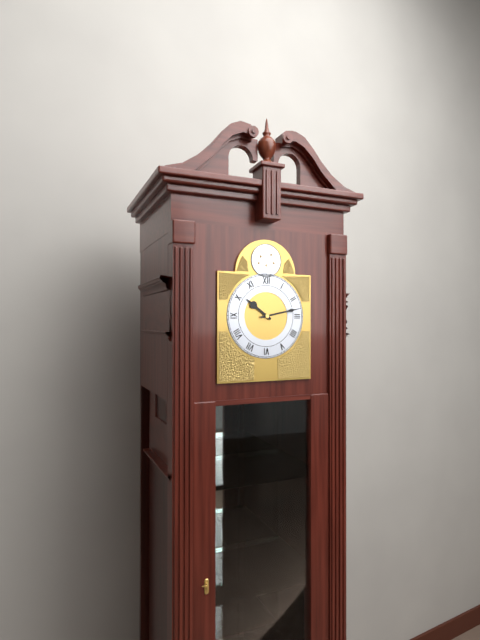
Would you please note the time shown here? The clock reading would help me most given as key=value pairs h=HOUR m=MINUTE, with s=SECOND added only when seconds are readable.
h=10 m=13
